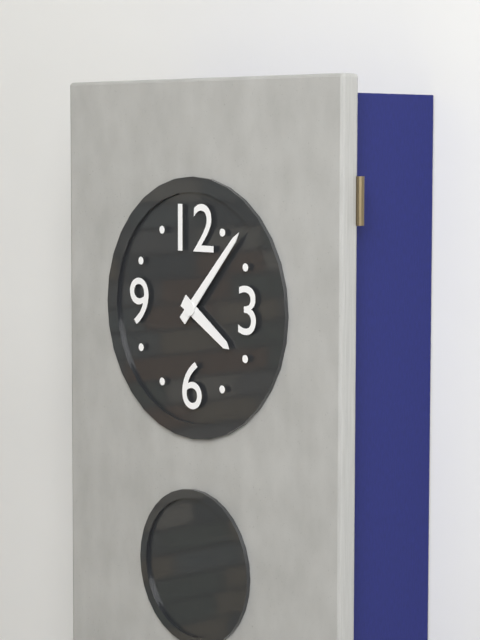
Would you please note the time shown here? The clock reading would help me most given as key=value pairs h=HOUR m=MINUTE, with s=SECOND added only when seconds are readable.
h=4 m=7
